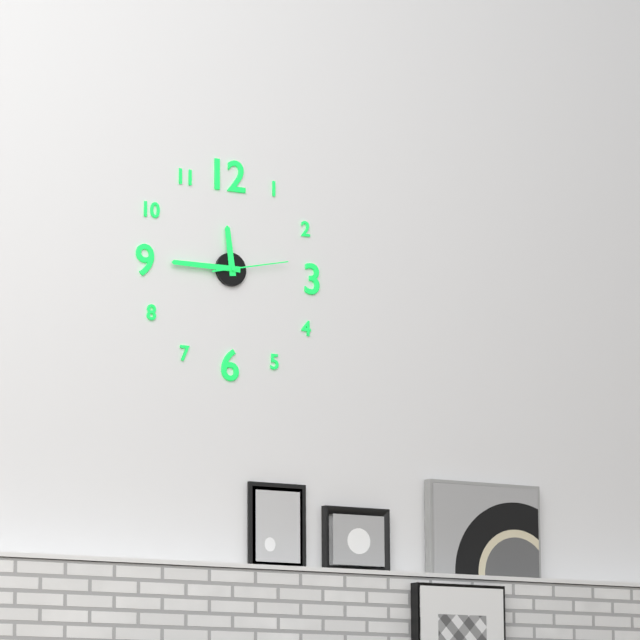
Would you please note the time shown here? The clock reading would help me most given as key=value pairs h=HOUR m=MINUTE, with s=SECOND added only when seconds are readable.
h=11 m=45 s=13
